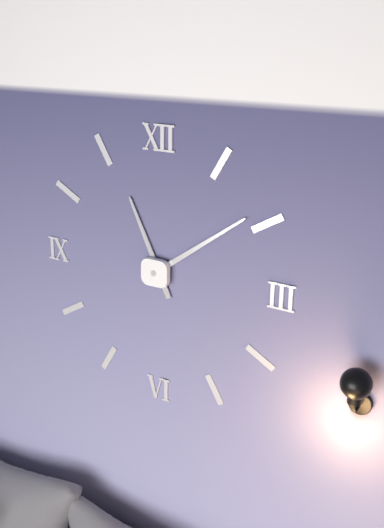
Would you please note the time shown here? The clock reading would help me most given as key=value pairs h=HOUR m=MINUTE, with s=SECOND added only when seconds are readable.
h=11 m=9
